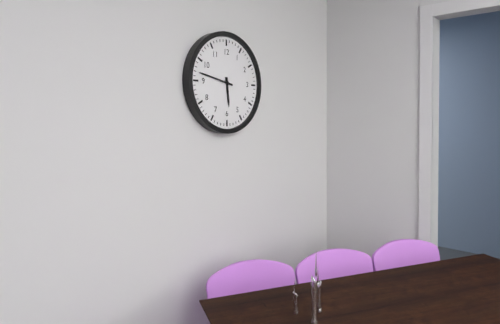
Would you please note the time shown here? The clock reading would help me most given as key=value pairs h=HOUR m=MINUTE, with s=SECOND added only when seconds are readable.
h=5 m=47
